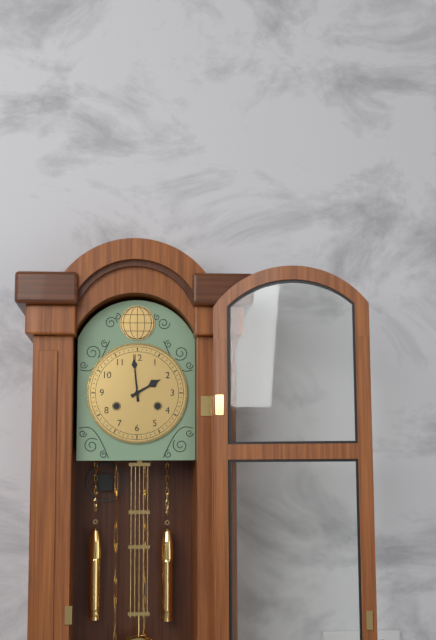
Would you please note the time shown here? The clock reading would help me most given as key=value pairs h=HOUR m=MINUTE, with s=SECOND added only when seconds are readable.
h=1 m=59
